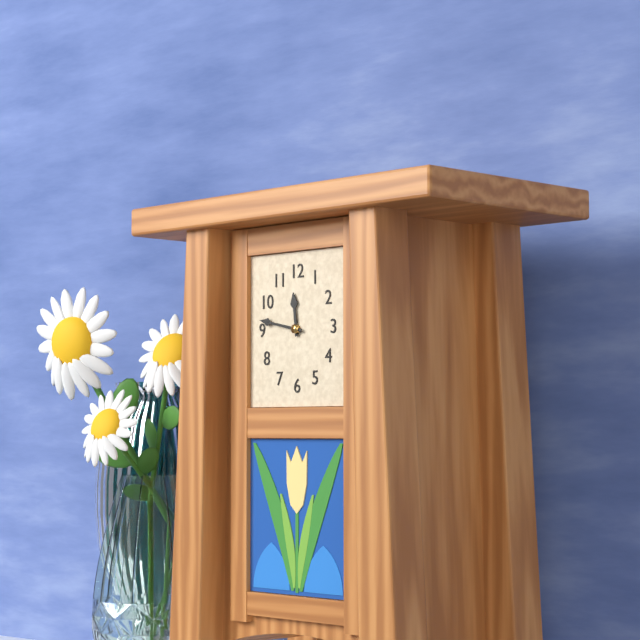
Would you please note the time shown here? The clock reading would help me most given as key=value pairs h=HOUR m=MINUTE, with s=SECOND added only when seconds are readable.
h=11 m=47
